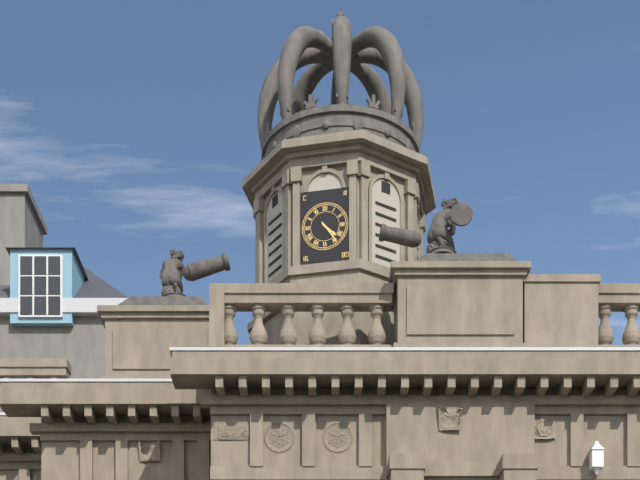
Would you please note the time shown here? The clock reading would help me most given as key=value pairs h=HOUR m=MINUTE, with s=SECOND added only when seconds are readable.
h=4 m=24
